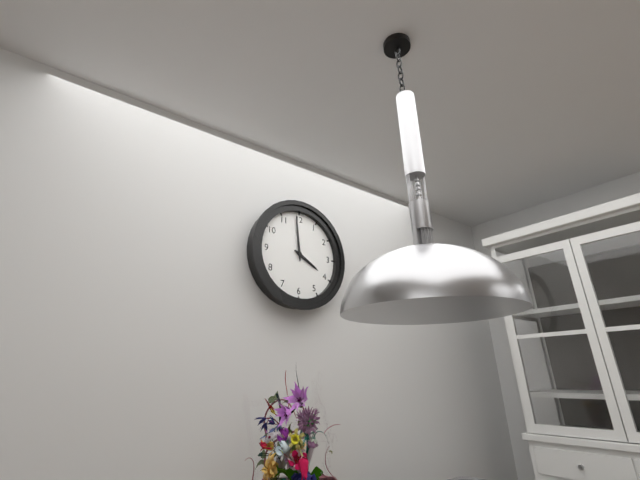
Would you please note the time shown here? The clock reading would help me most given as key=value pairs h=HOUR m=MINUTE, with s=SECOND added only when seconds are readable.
h=3 m=59
